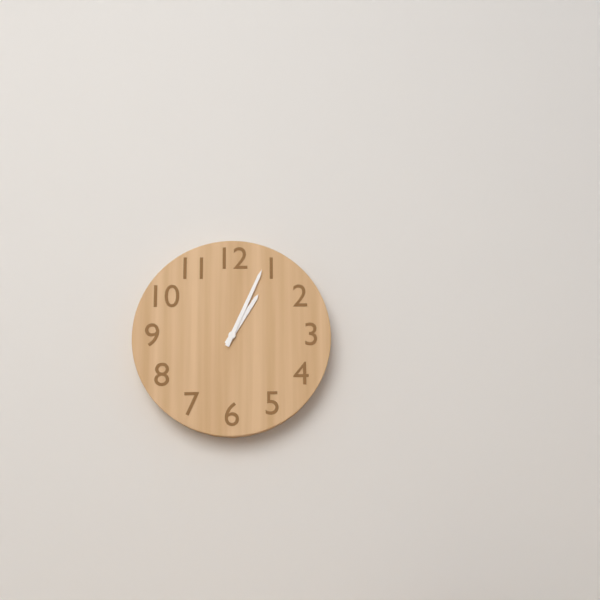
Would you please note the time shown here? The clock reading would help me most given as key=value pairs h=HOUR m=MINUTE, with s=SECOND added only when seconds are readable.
h=1 m=4
